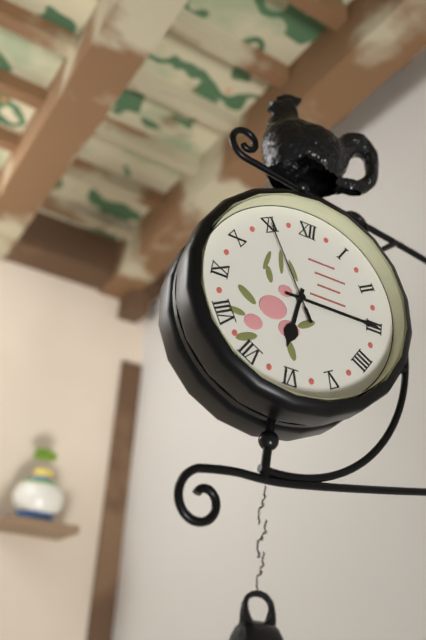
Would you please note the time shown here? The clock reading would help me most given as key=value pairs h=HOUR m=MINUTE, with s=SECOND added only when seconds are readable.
h=6 m=15 s=55
